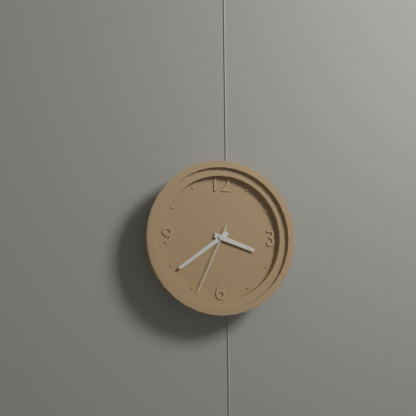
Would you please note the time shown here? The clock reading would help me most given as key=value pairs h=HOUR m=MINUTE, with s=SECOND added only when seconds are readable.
h=3 m=39 s=34
